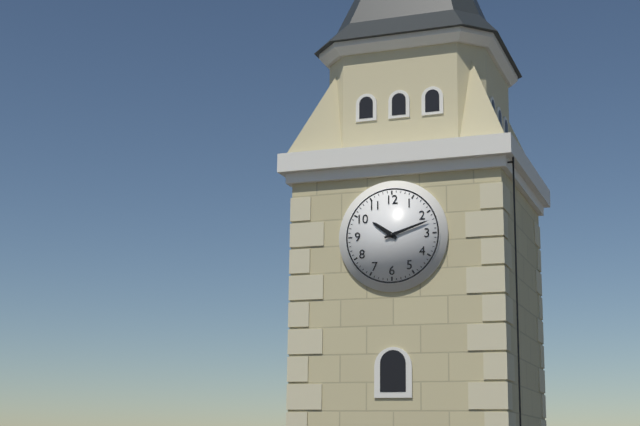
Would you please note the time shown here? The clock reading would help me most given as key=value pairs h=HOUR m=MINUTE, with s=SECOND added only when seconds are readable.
h=10 m=12
